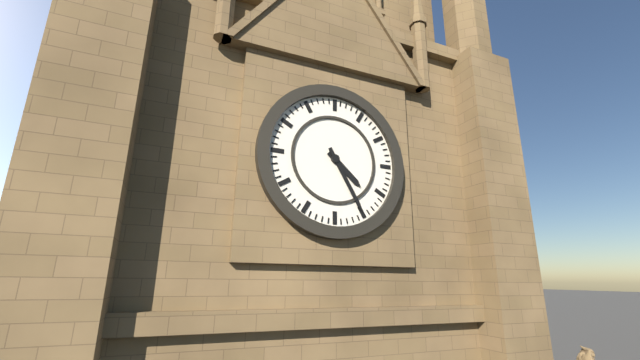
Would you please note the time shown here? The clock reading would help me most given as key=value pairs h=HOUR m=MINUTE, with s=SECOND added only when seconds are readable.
h=4 m=25
